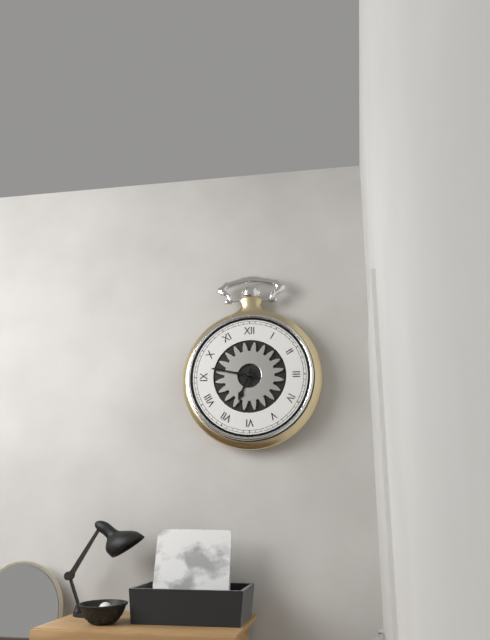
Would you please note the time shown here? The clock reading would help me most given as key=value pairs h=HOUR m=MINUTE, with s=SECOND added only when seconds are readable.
h=6 m=47
